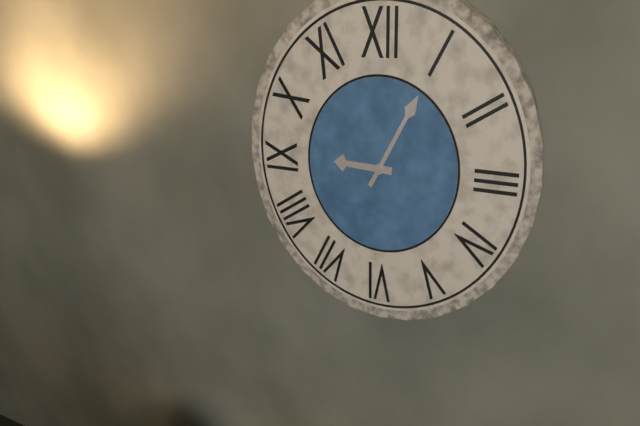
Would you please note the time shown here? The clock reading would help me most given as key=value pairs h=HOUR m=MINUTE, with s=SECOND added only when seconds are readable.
h=9 m=5
